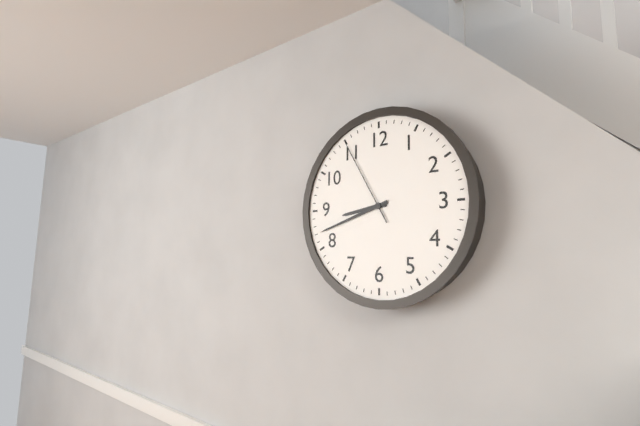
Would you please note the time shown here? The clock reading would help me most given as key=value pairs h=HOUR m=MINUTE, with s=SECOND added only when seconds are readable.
h=8 m=42 s=55
